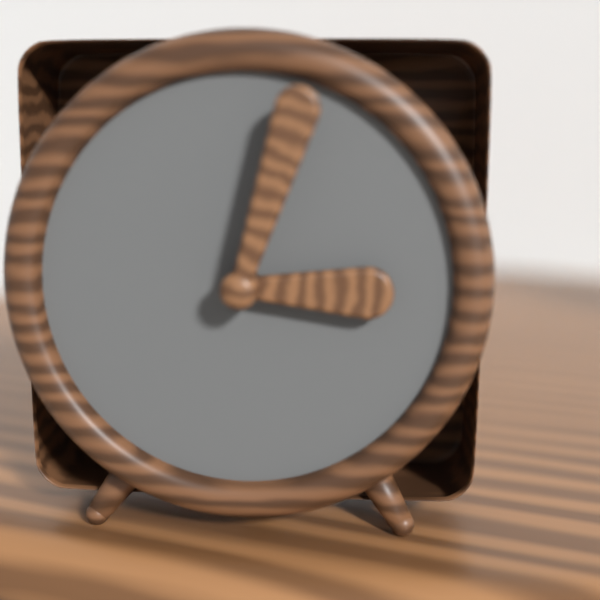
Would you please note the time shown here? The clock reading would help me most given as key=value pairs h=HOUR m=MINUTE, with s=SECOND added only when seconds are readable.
h=3 m=3
